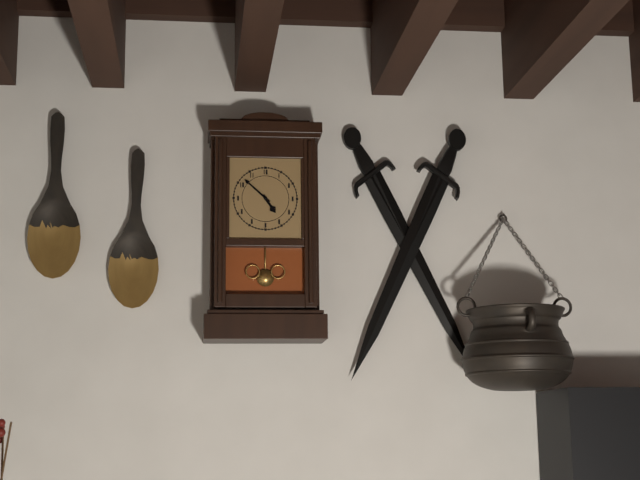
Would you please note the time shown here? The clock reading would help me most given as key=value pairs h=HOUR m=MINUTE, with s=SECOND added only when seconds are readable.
h=4 m=52
